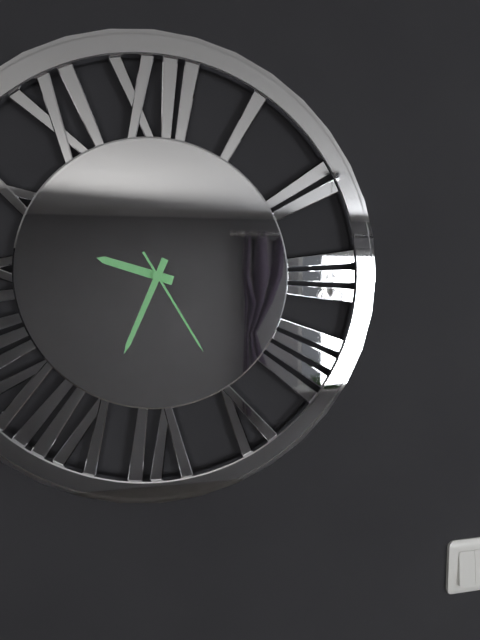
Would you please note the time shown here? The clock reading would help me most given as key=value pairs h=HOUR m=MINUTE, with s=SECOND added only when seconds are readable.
h=9 m=34 s=25
